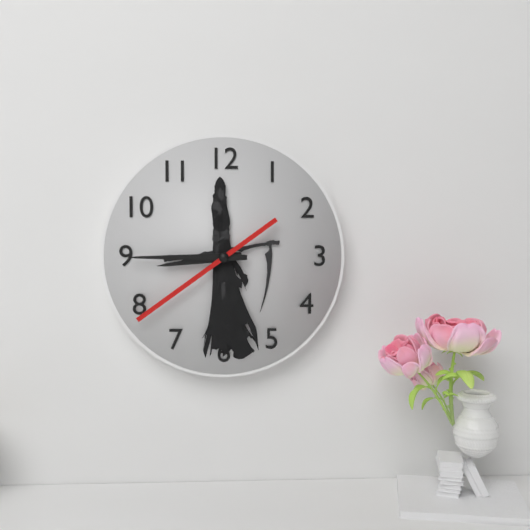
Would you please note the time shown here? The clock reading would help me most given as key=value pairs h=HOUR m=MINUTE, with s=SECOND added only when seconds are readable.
h=8 m=45 s=39
